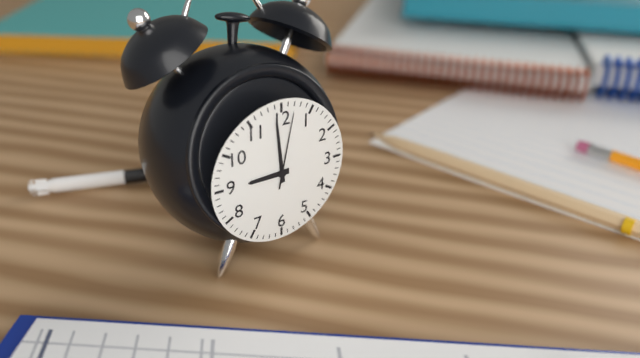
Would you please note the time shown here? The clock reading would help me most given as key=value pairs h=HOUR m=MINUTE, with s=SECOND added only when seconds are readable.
h=8 m=59 s=2
